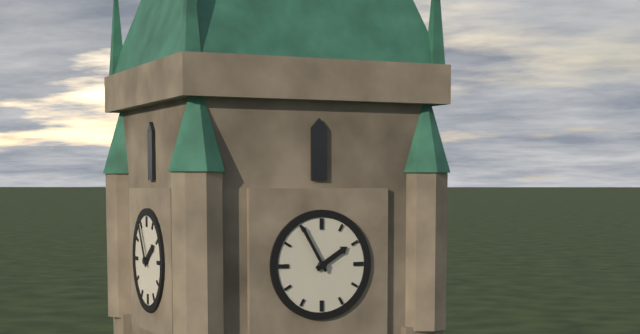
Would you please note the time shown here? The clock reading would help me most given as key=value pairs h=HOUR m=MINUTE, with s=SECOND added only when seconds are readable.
h=1 m=55
